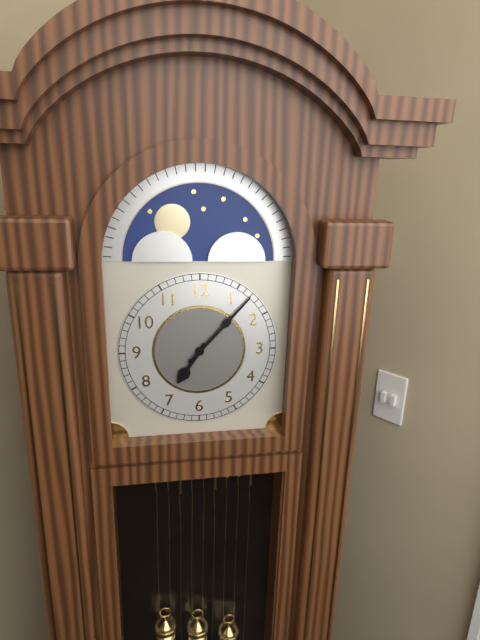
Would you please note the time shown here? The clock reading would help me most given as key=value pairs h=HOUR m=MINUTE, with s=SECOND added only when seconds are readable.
h=7 m=7
